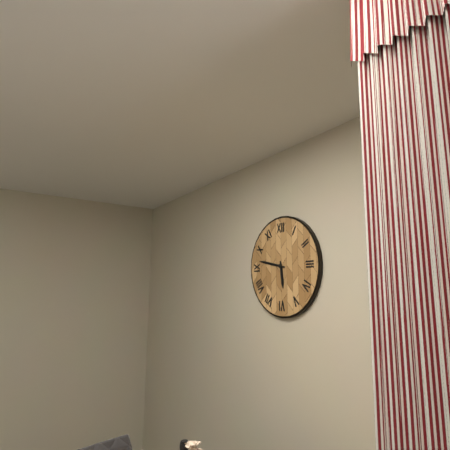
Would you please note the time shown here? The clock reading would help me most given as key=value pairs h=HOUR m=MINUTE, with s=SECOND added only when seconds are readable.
h=5 m=47
